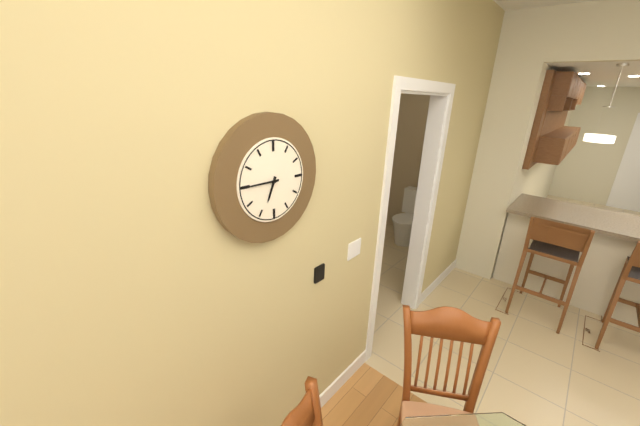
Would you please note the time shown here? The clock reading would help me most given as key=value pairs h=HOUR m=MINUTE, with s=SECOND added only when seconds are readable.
h=6 m=45
